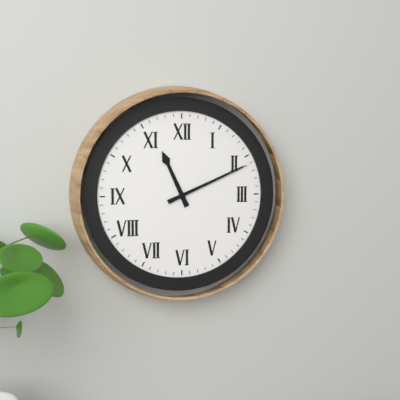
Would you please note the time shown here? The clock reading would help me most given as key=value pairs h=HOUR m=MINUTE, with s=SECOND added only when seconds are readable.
h=11 m=11
